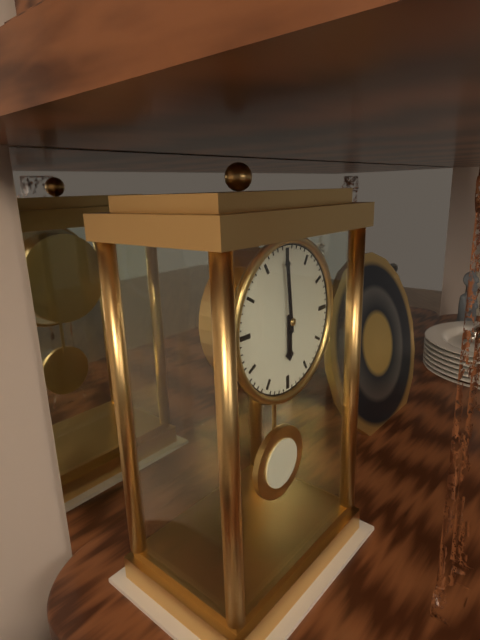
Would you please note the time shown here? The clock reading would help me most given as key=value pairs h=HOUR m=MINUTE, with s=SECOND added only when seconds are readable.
h=5 m=59
